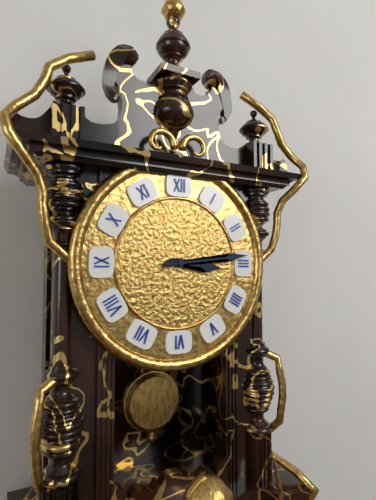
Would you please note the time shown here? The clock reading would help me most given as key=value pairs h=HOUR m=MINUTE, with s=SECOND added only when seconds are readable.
h=3 m=14
